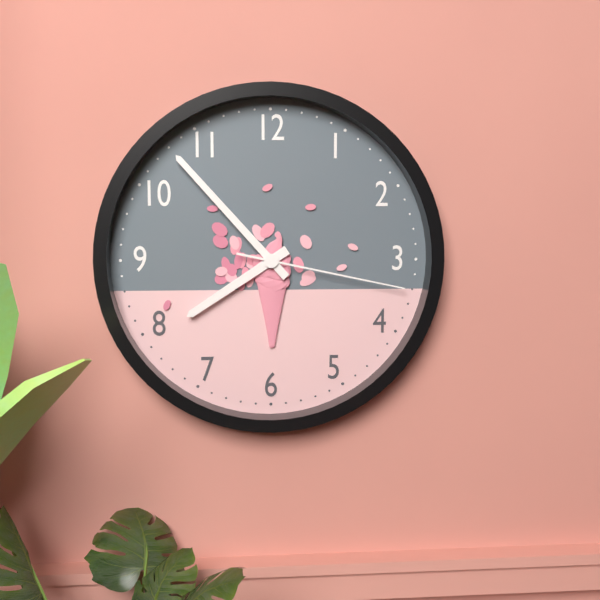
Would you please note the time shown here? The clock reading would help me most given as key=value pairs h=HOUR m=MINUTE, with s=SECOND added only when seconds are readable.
h=7 m=53 s=17
